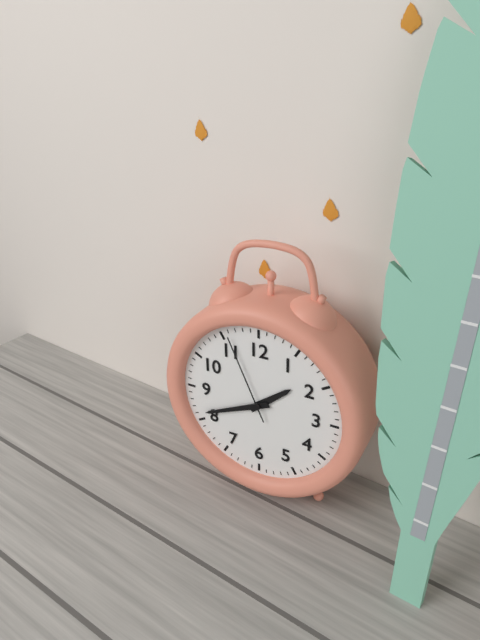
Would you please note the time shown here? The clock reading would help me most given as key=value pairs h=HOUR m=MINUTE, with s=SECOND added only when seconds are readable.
h=1 m=41 s=56
